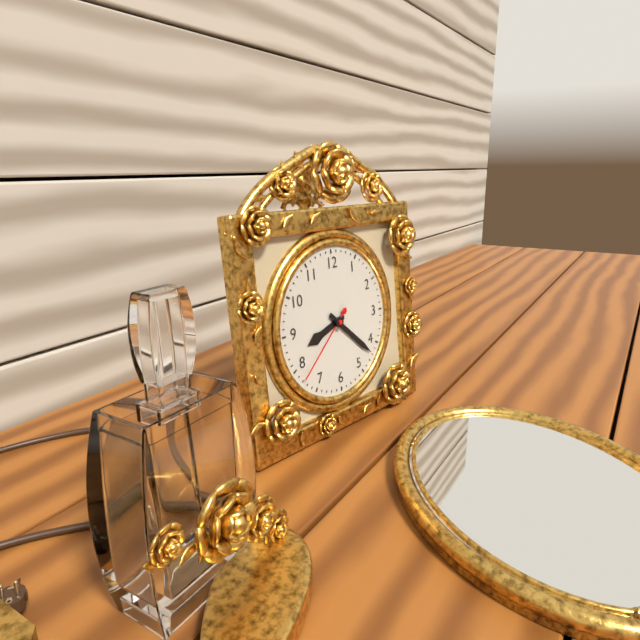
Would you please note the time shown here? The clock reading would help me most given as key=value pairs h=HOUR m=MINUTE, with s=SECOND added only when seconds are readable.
h=8 m=22 s=38
